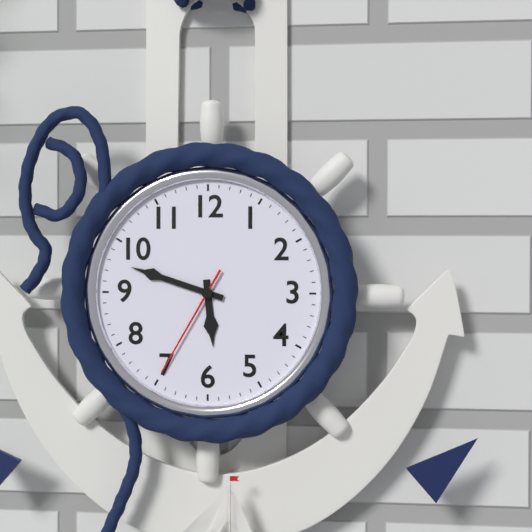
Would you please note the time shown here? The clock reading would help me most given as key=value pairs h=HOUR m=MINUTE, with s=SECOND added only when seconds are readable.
h=5 m=48 s=35
